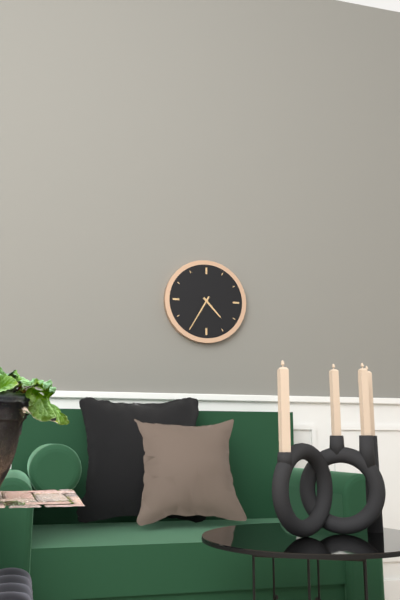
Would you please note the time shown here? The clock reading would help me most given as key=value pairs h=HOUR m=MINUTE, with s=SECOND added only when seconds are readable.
h=4 m=35
